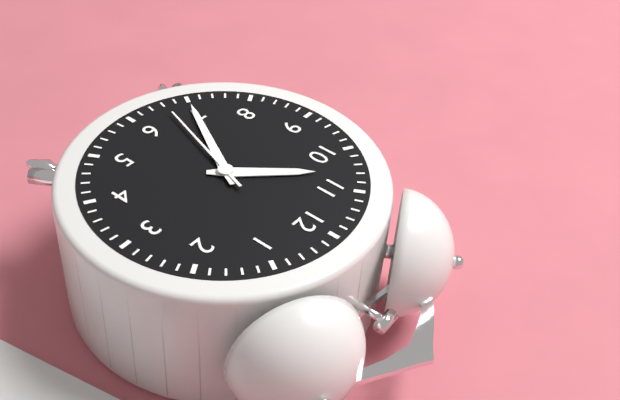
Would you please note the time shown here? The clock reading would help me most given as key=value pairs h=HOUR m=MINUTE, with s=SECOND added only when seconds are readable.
h=10 m=35 s=33
